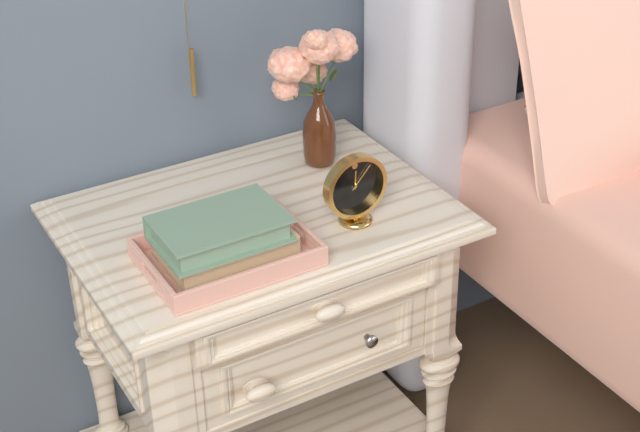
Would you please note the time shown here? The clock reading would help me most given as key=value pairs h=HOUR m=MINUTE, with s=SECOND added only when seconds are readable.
h=12 m=7
